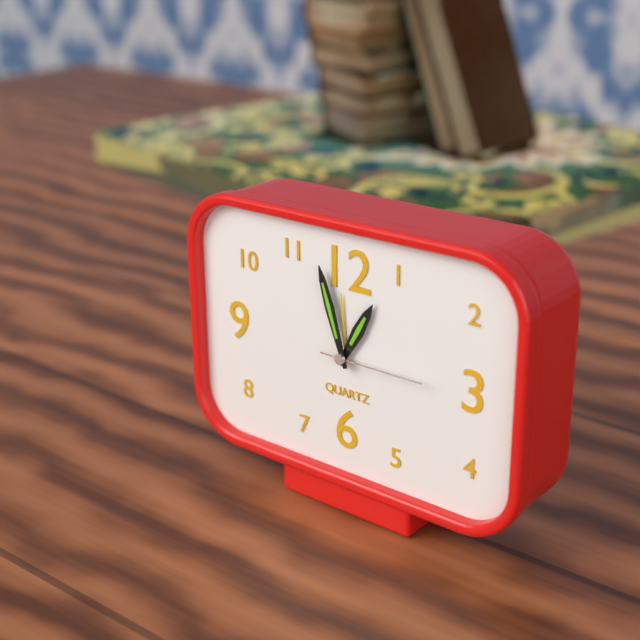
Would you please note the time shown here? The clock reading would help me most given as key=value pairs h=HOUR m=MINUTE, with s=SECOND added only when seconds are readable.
h=12 m=57 s=15
